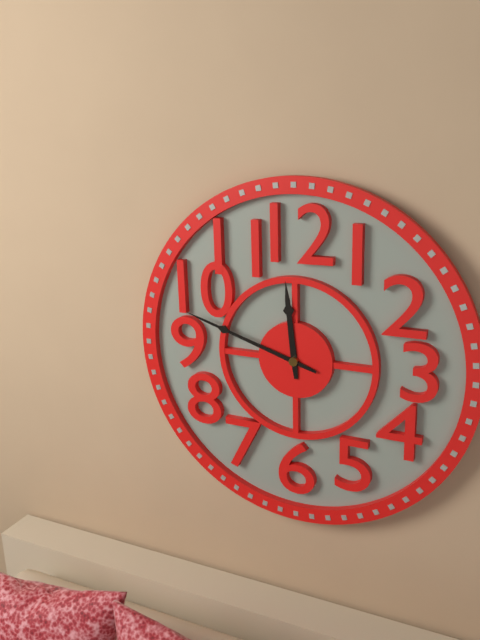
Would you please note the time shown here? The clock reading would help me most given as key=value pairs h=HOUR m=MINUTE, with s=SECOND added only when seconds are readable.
h=11 m=48
